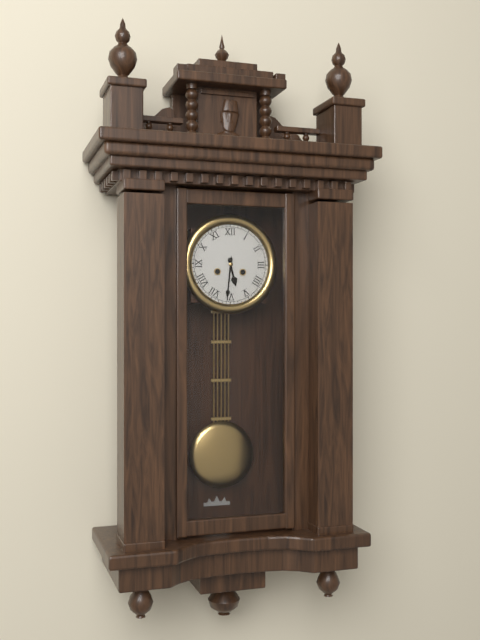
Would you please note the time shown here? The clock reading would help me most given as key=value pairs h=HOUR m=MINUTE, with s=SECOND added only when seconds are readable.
h=5 m=31
